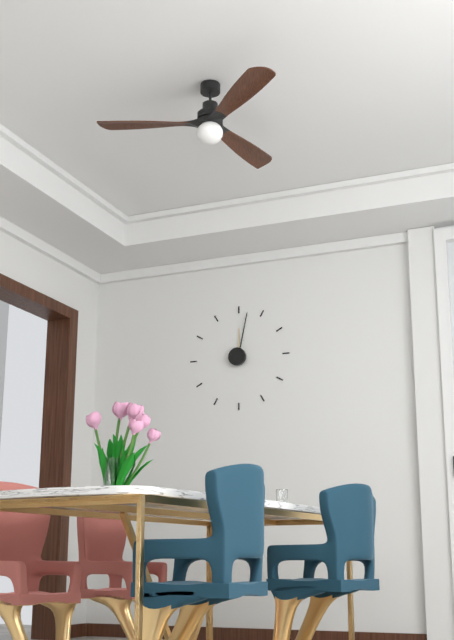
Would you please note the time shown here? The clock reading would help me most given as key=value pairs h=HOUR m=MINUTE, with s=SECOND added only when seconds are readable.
h=12 m=2
